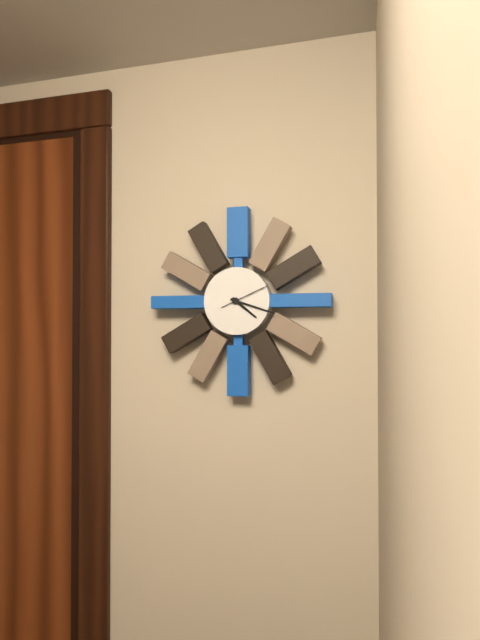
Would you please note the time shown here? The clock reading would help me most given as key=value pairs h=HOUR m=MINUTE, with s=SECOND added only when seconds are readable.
h=4 m=18
